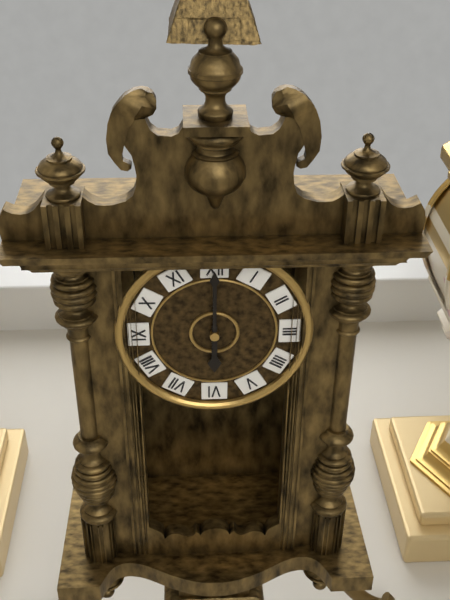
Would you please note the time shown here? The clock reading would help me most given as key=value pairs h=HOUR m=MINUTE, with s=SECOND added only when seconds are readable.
h=6 m=0
